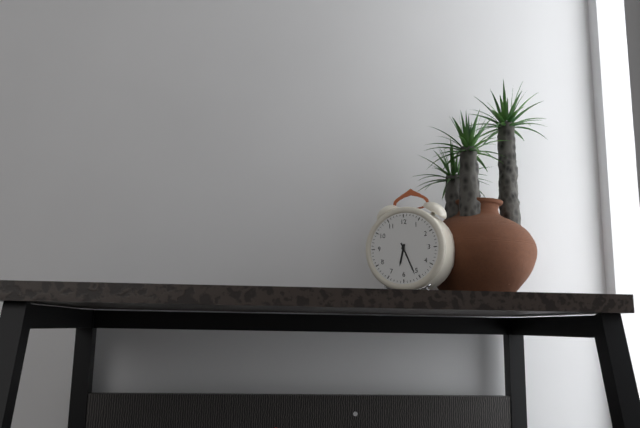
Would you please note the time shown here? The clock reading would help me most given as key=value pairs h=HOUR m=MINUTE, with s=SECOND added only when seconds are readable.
h=6 m=26
